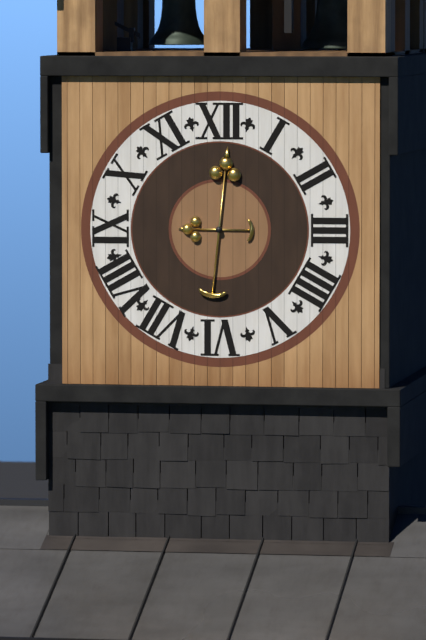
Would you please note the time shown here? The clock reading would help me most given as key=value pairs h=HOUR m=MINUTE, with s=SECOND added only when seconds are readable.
h=9 m=1
